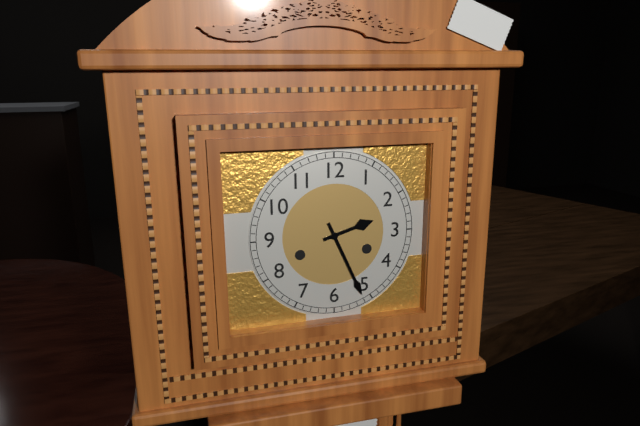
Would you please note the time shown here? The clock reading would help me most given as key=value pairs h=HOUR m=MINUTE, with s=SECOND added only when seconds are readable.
h=2 m=26
